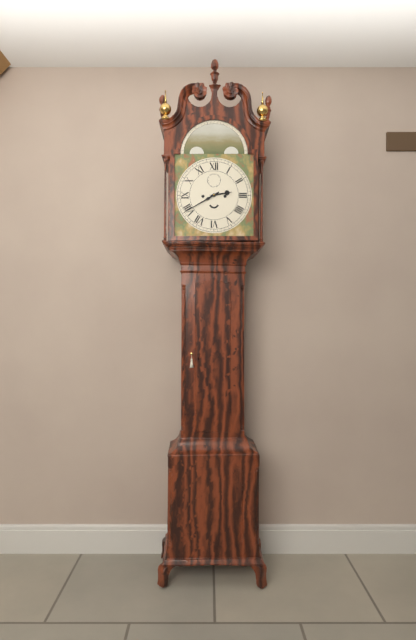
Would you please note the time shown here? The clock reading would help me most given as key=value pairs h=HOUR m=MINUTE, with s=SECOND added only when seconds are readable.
h=2 m=40
